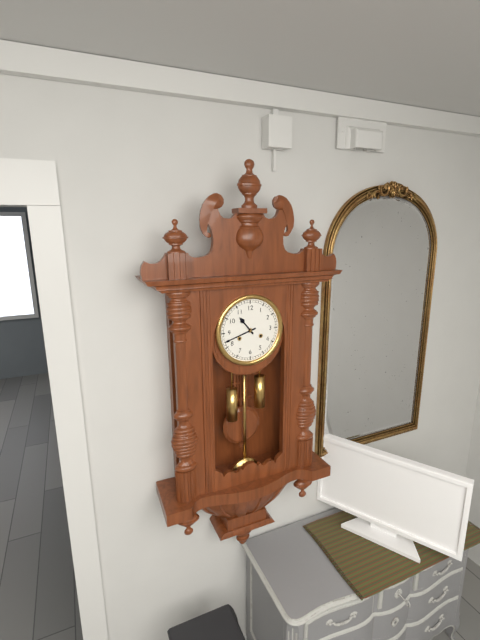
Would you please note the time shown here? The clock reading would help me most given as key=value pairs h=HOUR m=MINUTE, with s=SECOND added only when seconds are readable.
h=10 m=42
